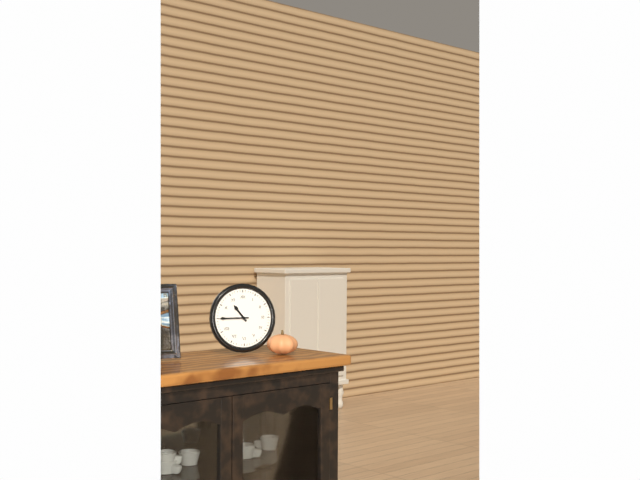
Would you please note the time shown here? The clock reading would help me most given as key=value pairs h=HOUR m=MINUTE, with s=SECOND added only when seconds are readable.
h=10 m=45
